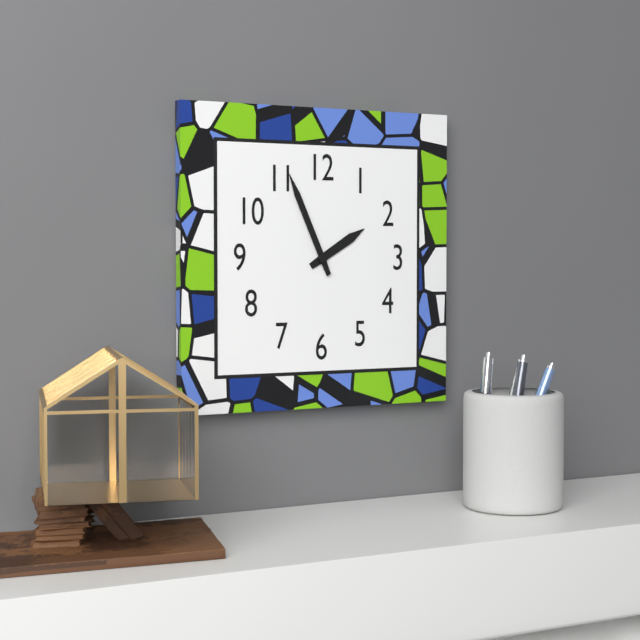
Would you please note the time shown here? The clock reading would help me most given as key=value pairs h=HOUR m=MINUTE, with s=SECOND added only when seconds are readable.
h=1 m=56
